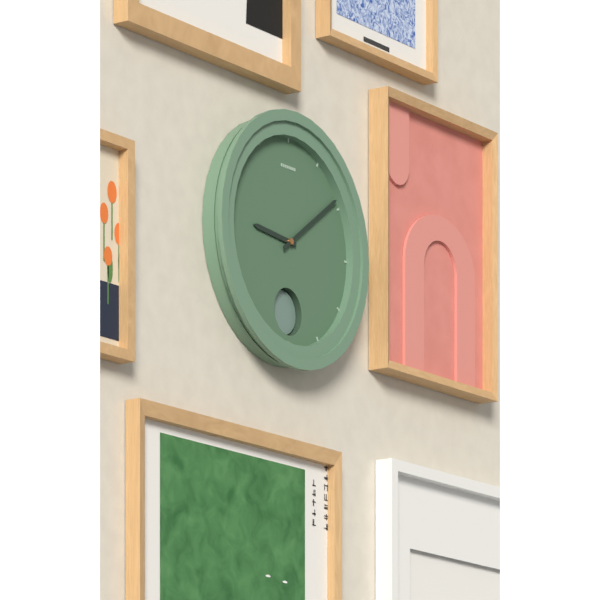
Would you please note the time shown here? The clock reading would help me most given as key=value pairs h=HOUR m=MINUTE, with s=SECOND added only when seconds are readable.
h=9 m=9
